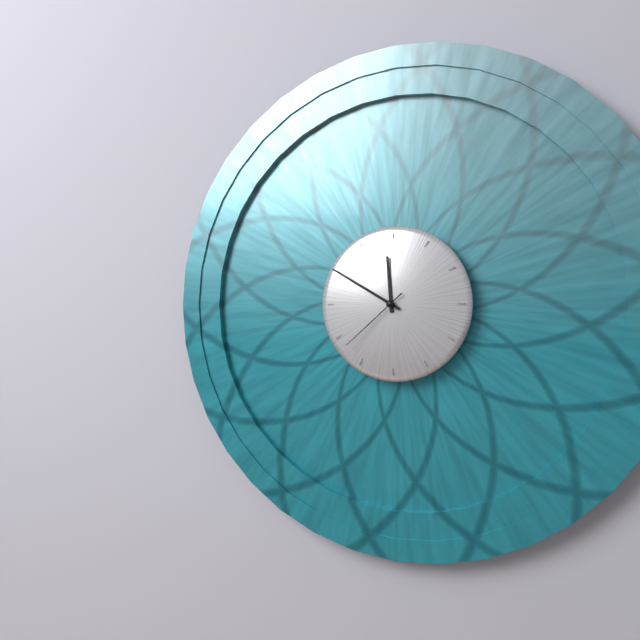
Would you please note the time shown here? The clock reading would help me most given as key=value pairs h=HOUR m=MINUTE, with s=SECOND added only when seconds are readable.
h=11 m=50 s=38
